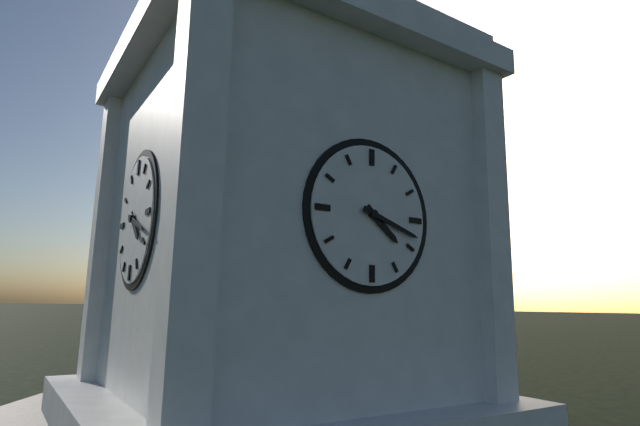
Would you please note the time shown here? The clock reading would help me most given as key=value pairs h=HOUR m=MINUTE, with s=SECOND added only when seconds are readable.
h=4 m=18
